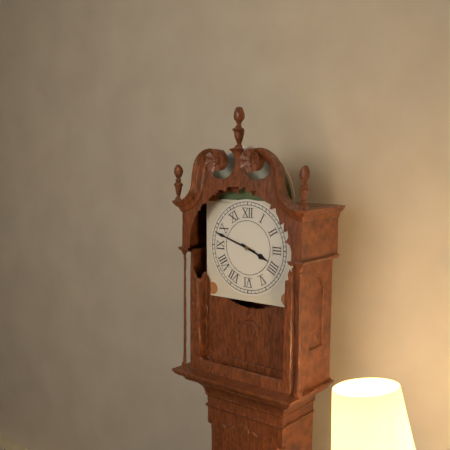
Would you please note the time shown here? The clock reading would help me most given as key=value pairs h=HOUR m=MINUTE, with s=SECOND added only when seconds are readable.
h=3 m=48
